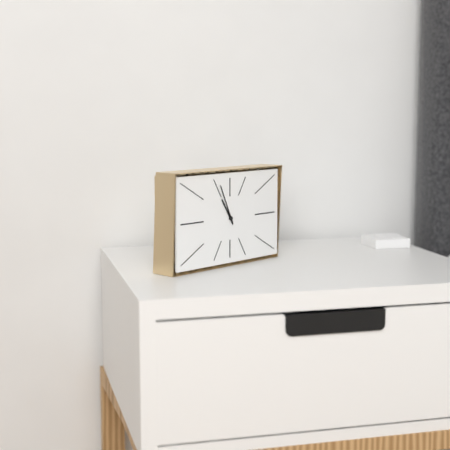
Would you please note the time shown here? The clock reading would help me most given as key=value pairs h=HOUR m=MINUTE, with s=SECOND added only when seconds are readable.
h=10 m=56
